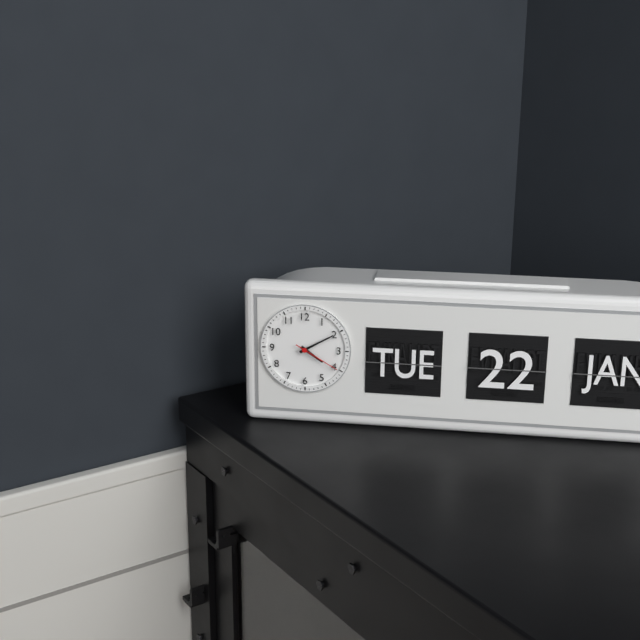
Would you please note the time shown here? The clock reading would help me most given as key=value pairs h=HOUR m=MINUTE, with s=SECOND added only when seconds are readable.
h=4 m=10
